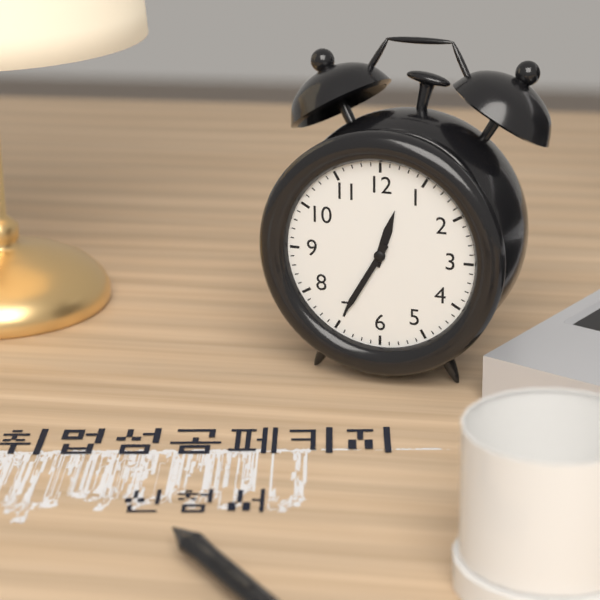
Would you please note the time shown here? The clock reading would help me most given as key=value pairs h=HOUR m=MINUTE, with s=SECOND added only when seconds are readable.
h=12 m=35
